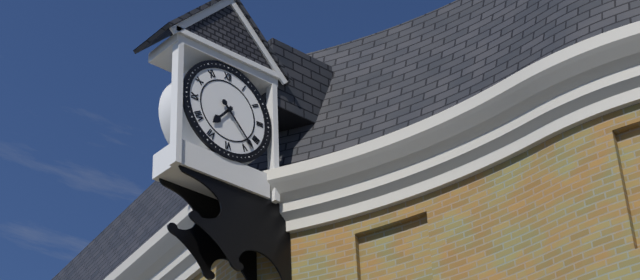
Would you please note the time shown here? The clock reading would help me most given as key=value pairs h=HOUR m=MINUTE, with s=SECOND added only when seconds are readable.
h=7 m=23
